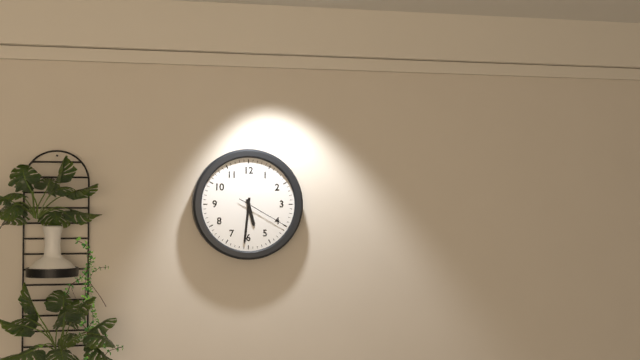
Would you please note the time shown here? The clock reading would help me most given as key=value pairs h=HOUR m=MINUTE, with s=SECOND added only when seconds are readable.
h=5 m=31 s=20
